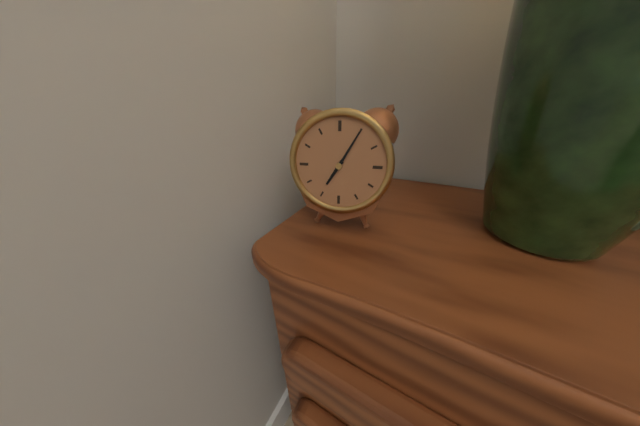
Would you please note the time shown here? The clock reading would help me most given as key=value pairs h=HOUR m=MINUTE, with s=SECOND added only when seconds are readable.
h=7 m=5
